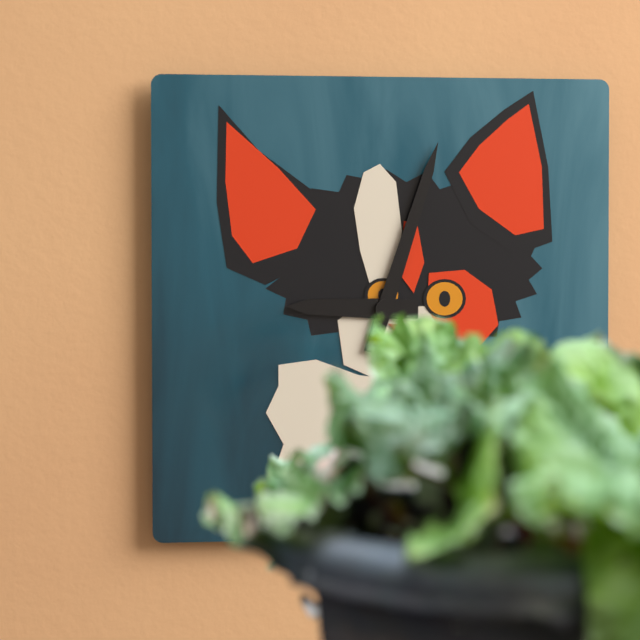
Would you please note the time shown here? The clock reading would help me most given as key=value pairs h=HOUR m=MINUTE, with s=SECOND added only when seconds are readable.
h=9 m=3
